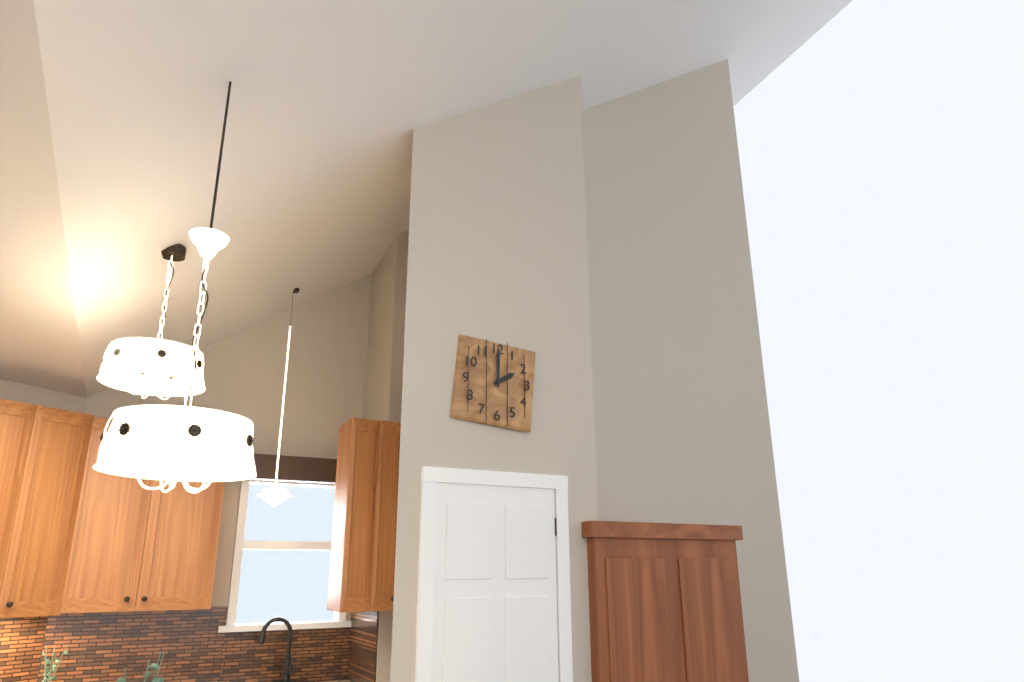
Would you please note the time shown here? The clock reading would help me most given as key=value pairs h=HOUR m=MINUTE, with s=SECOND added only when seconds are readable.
h=2 m=0
